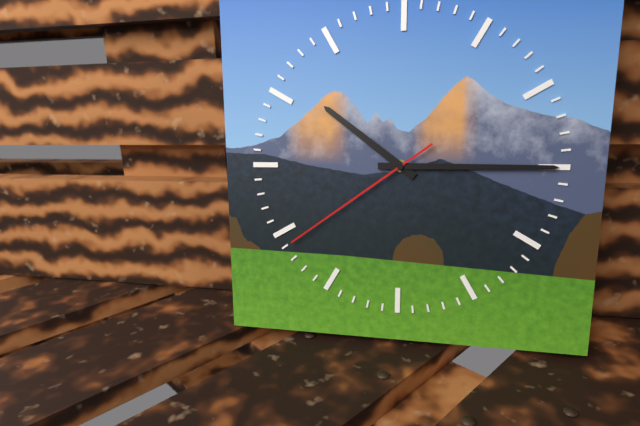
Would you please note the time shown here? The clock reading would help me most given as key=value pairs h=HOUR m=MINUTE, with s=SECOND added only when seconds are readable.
h=10 m=15 s=39
